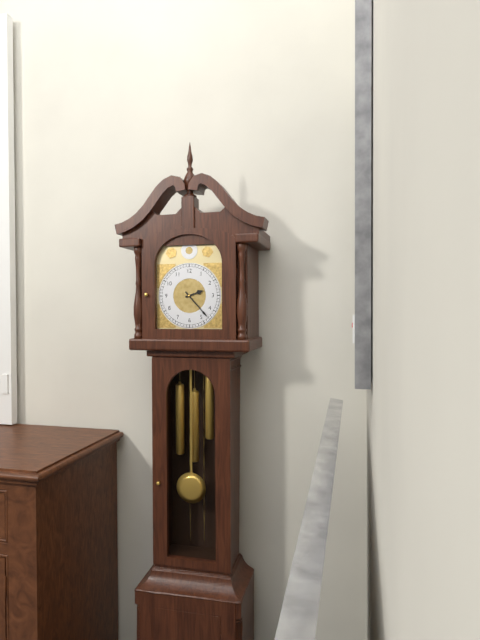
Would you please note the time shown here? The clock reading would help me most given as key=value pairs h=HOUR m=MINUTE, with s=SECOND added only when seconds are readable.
h=2 m=23
